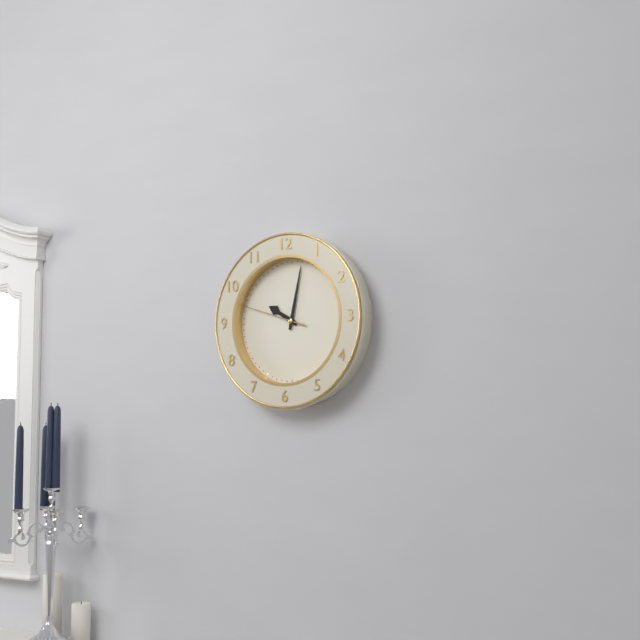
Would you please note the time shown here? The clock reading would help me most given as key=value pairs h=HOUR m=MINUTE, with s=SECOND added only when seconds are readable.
h=10 m=2 s=48
